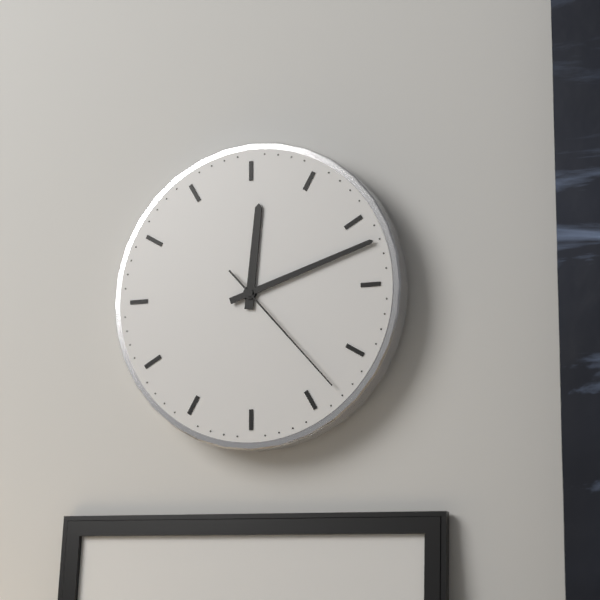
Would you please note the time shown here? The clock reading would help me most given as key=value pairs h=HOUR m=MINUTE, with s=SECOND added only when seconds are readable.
h=12 m=12 s=23
